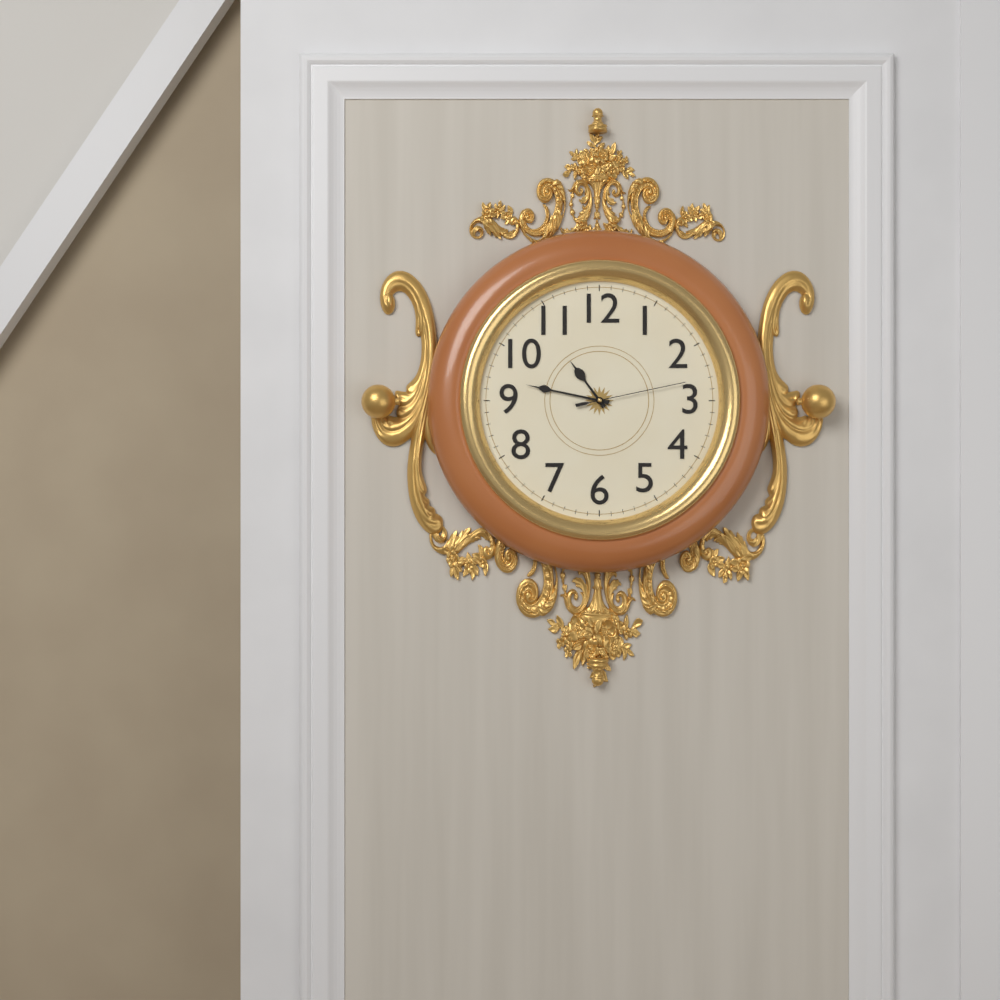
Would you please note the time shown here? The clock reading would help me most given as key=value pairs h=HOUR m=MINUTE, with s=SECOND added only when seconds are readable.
h=10 m=47 s=13
